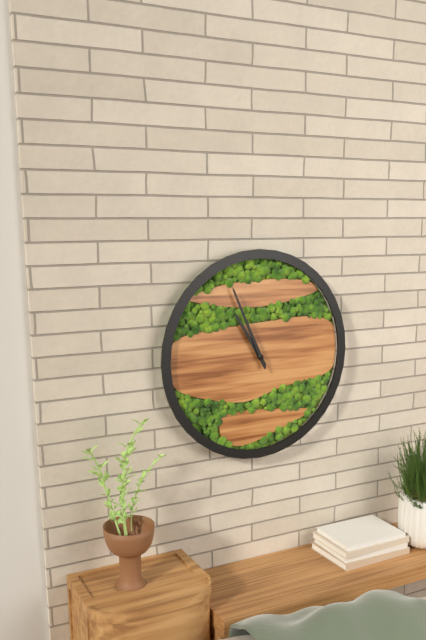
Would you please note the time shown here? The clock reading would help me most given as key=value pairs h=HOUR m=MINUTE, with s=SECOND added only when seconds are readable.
h=10 m=56
